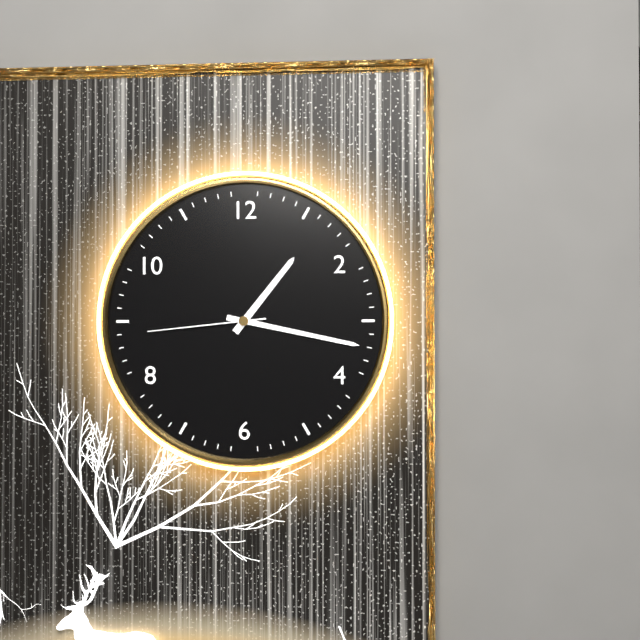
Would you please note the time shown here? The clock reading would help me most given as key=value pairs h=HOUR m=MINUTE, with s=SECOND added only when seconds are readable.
h=1 m=17 s=44
